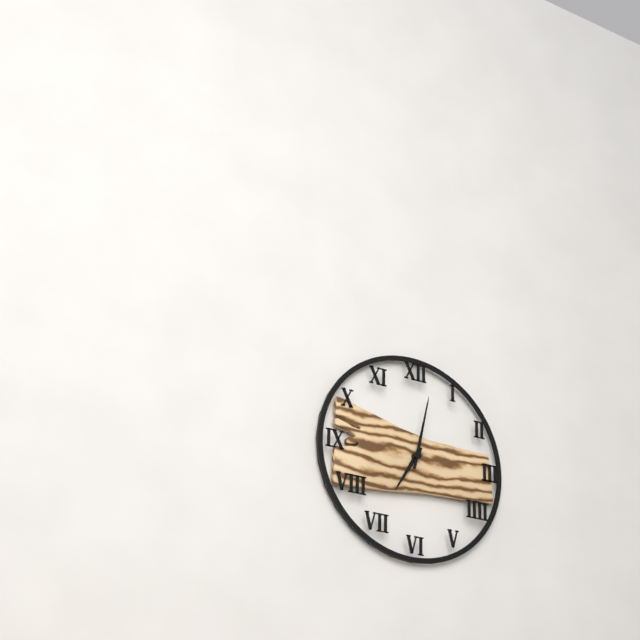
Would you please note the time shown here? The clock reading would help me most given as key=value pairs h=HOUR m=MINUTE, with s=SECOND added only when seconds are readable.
h=7 m=2
